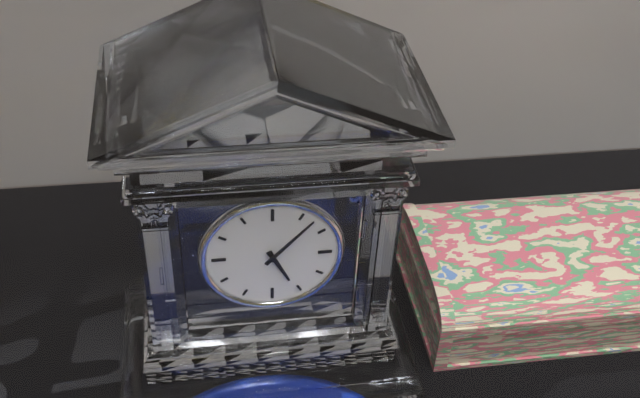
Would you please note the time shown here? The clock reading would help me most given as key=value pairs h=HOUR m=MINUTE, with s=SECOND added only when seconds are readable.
h=5 m=7
